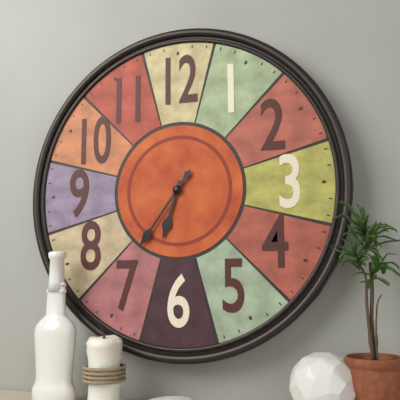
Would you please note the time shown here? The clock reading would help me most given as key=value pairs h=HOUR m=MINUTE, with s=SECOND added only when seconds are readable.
h=6 m=36
